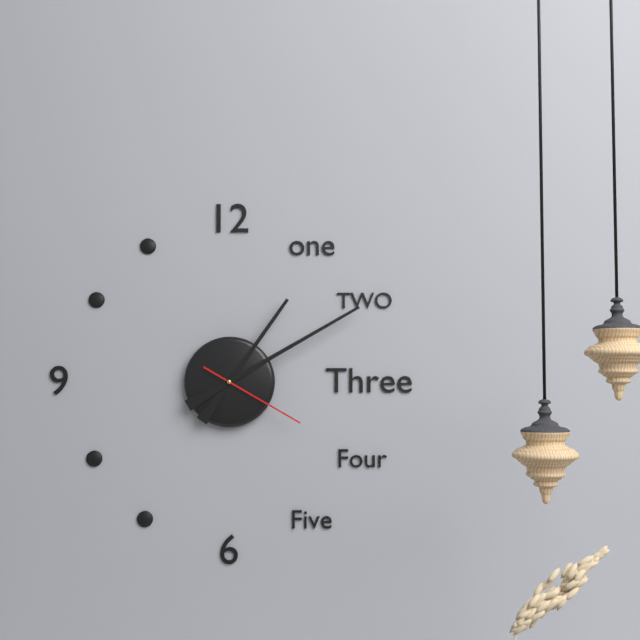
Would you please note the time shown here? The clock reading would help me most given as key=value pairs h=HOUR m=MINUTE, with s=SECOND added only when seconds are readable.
h=1 m=10 s=20
